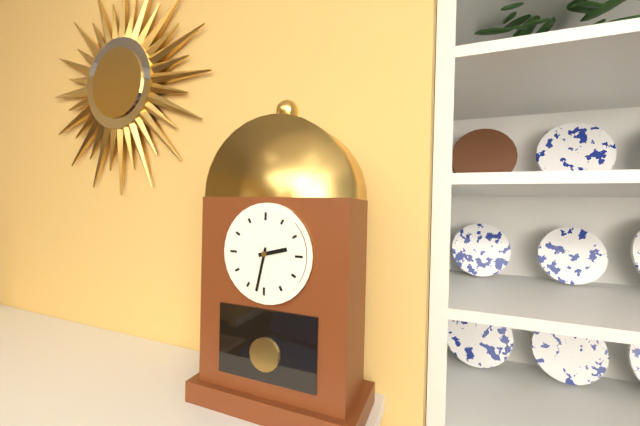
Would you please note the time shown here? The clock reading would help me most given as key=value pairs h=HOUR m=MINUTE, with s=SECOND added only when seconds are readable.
h=2 m=32
